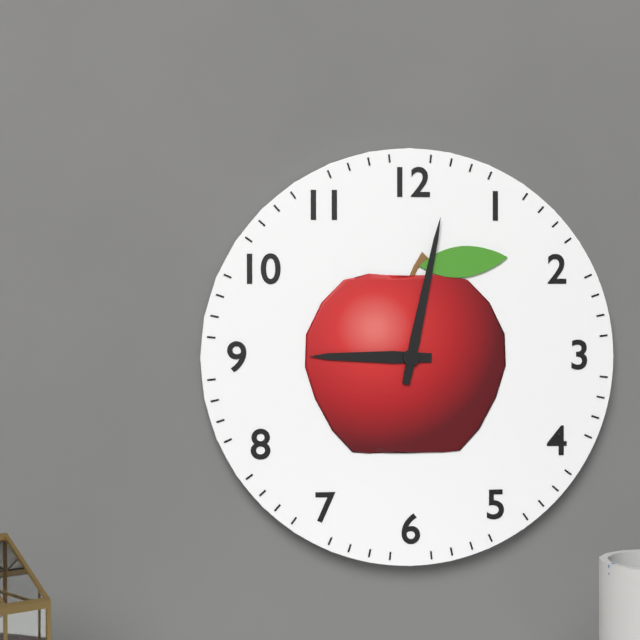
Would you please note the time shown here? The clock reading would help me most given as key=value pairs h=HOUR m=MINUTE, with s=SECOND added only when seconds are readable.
h=9 m=2
